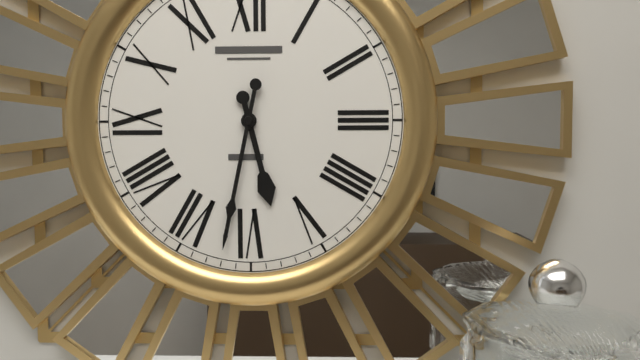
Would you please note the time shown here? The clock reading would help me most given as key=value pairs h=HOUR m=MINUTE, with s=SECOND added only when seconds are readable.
h=5 m=32
